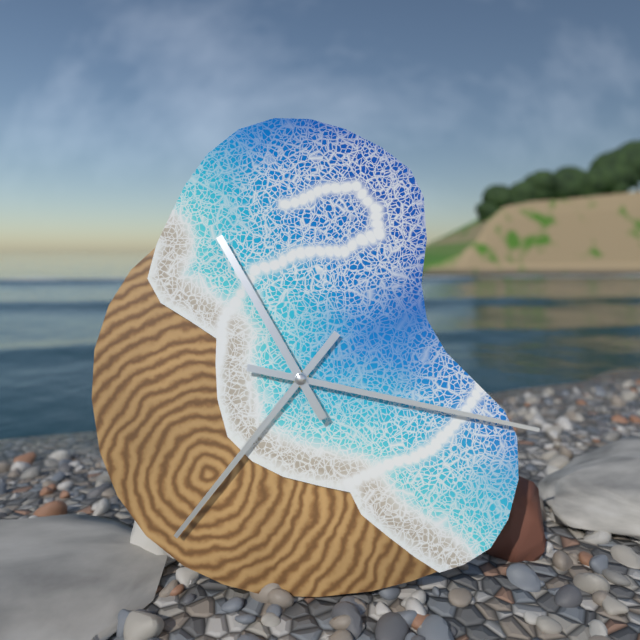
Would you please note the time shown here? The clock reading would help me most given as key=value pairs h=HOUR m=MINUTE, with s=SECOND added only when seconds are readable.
h=7 m=17 s=55
